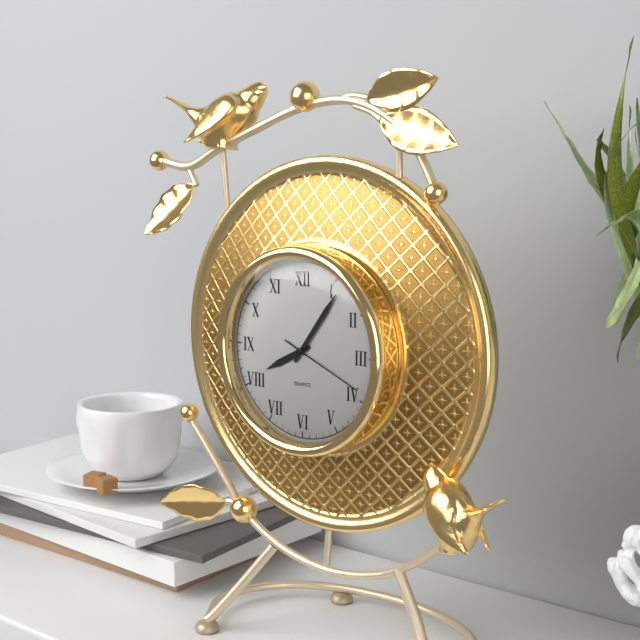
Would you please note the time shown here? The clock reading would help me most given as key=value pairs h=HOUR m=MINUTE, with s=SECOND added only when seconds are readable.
h=8 m=6 s=19
